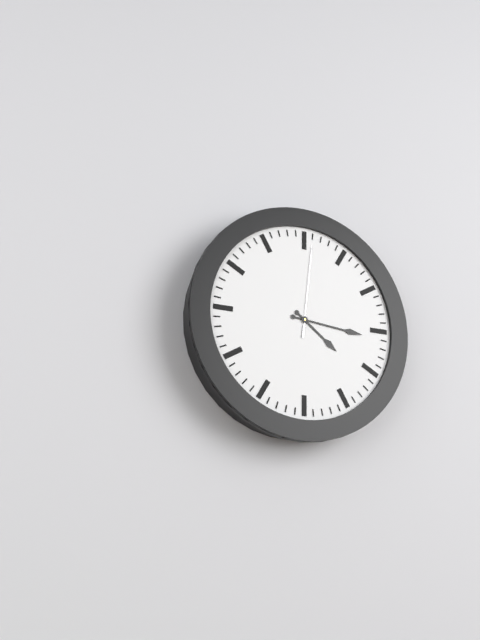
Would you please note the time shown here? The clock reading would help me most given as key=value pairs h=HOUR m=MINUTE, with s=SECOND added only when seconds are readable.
h=4 m=16 s=1
